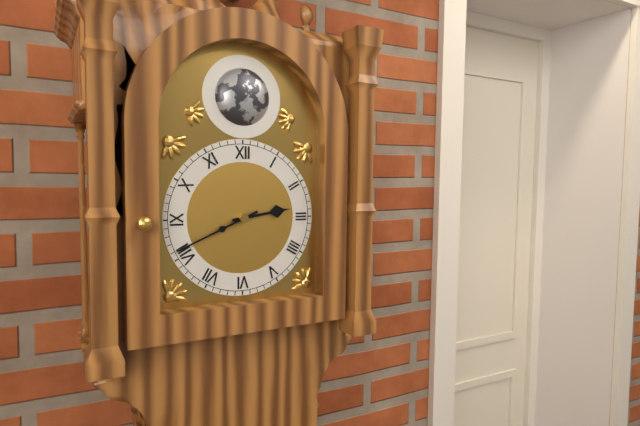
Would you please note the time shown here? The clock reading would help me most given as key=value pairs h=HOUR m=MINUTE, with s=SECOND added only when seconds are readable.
h=2 m=41
